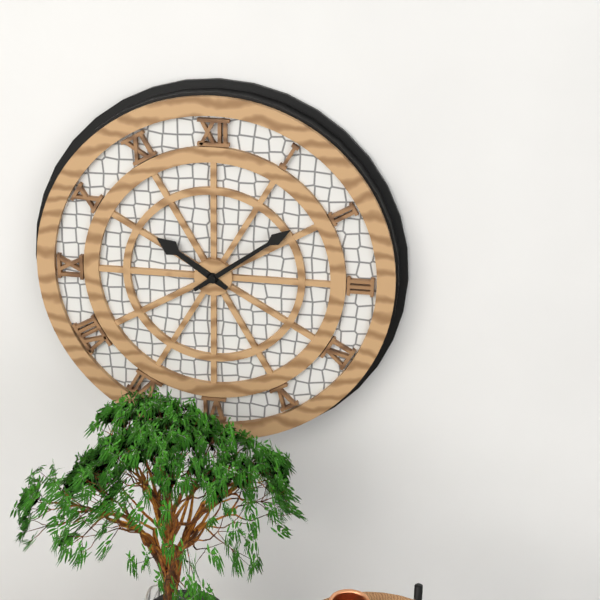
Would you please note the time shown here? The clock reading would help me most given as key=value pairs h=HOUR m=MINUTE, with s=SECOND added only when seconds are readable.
h=10 m=9
